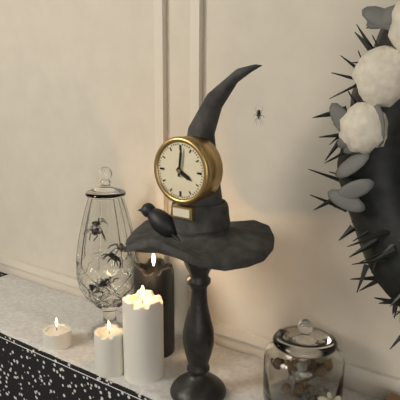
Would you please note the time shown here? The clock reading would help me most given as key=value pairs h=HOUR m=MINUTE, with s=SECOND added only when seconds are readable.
h=4 m=1
